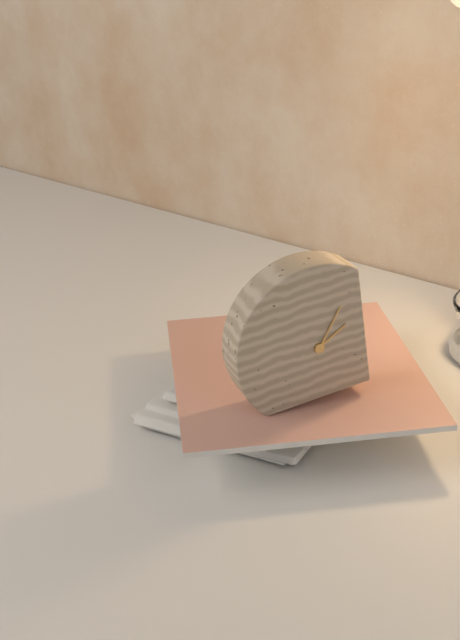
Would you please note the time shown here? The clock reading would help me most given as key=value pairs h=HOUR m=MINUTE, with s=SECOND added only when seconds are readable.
h=2 m=6
